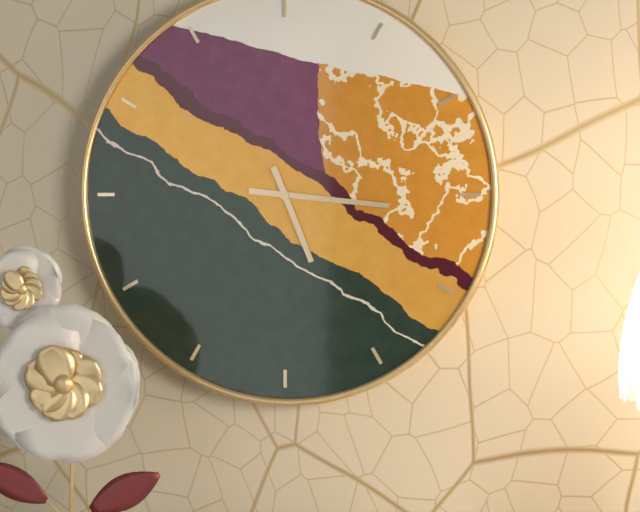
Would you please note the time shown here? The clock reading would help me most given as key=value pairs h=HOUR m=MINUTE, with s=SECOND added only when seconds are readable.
h=5 m=16
